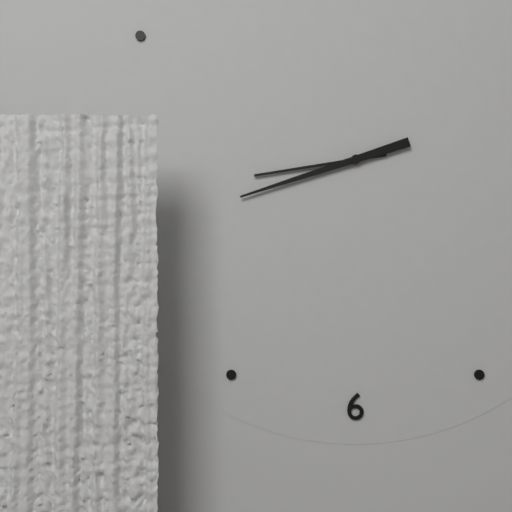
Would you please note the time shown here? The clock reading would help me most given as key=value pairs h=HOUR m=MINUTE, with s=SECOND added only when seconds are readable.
h=8 m=42
